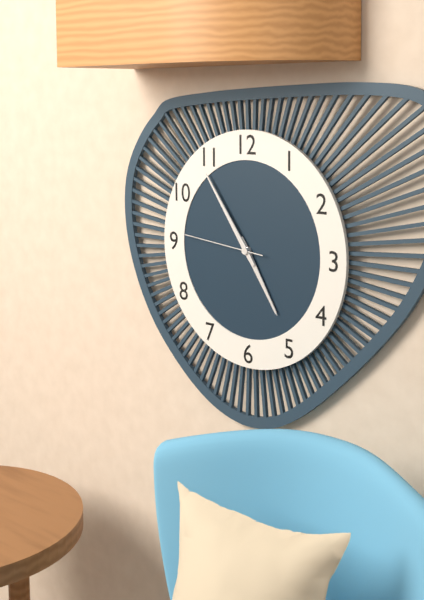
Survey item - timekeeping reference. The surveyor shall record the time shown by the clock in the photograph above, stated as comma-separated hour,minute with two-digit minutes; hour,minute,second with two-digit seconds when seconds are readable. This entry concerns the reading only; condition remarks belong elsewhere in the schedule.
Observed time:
4,54,46
